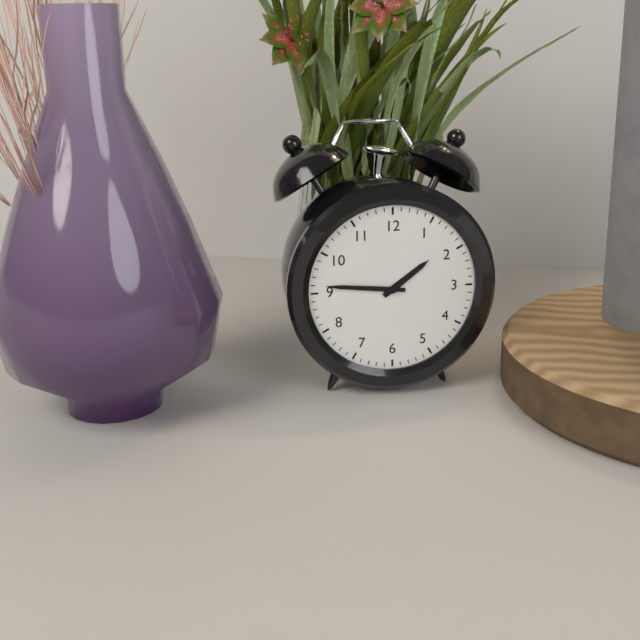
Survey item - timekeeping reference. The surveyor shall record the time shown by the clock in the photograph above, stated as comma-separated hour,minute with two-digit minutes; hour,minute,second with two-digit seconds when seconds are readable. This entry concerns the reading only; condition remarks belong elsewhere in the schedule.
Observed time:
1,46
